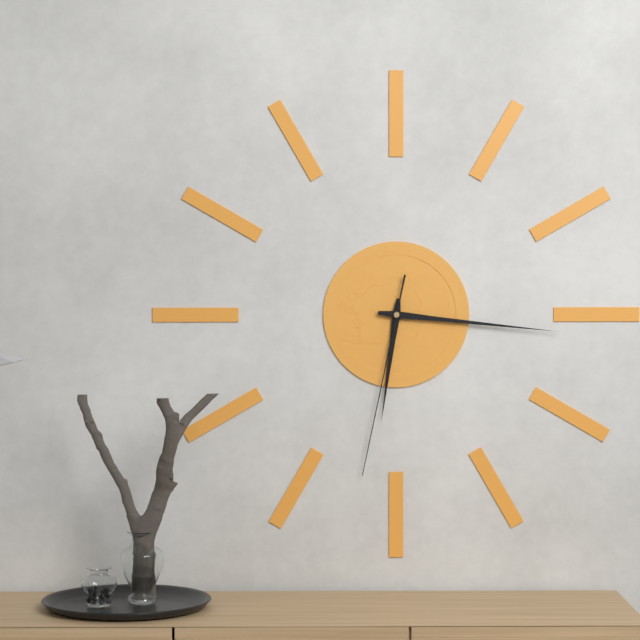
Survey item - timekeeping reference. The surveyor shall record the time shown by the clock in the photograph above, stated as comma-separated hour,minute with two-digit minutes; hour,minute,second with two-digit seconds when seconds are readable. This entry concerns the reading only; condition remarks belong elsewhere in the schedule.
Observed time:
6,16,32
